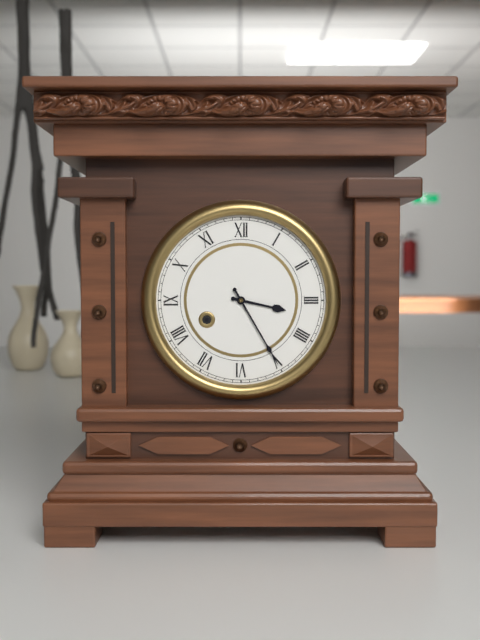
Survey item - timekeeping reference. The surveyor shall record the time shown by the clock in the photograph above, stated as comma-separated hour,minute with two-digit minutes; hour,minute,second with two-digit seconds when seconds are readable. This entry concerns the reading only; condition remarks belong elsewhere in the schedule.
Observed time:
3,25
